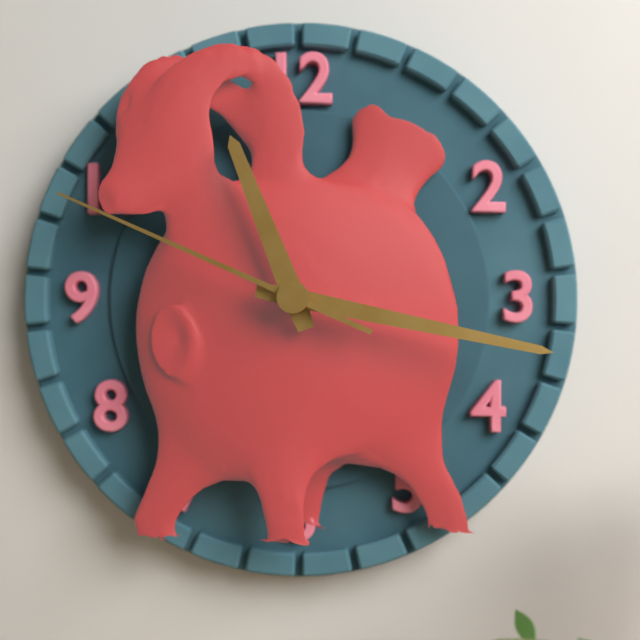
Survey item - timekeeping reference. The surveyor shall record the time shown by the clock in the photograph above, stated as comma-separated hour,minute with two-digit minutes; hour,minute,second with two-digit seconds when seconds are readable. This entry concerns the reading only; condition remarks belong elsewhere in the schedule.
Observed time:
11,17,49
